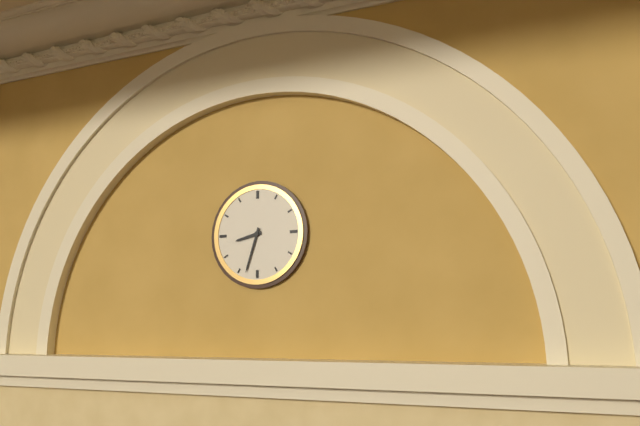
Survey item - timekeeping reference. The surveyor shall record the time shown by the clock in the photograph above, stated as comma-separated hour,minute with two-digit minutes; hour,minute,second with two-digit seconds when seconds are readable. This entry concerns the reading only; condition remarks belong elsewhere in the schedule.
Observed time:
8,33
